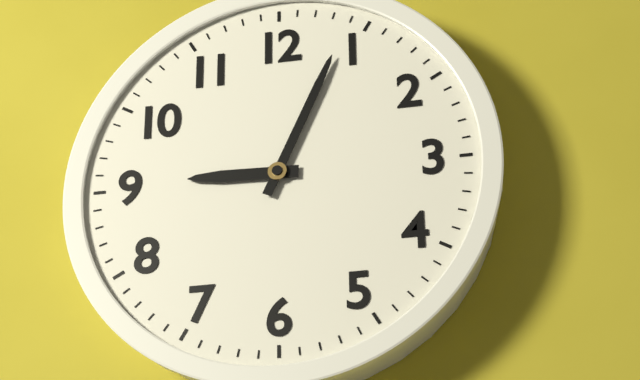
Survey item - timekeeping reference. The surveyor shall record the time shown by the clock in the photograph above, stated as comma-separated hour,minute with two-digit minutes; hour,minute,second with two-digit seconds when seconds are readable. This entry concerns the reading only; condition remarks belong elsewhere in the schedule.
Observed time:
9,04
